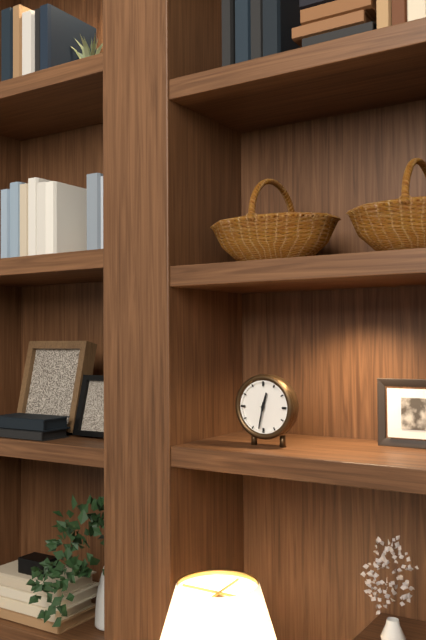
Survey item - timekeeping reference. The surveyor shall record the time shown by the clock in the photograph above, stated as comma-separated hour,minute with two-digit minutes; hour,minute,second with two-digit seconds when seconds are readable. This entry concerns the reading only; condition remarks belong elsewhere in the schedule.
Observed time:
12,32
